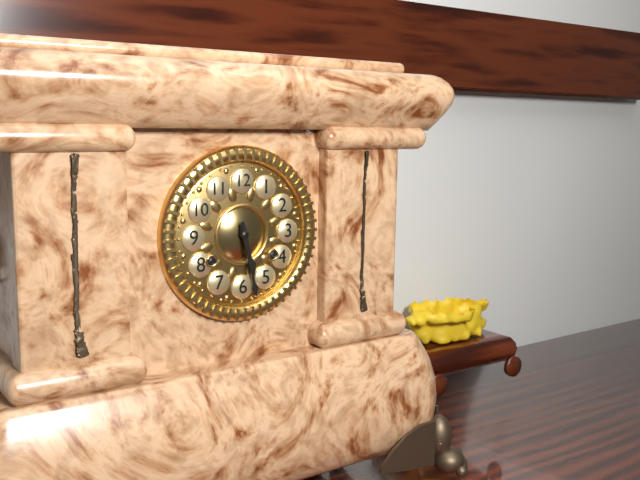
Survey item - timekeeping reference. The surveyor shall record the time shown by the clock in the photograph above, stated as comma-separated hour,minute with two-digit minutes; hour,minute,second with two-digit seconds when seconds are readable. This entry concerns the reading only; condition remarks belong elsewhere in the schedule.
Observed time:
5,28
